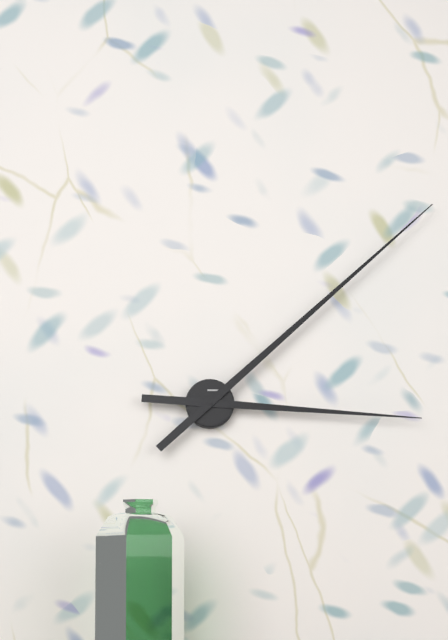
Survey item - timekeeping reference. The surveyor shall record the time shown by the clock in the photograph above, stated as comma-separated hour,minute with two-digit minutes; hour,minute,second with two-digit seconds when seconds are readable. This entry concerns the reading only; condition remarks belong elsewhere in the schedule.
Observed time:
3,08
